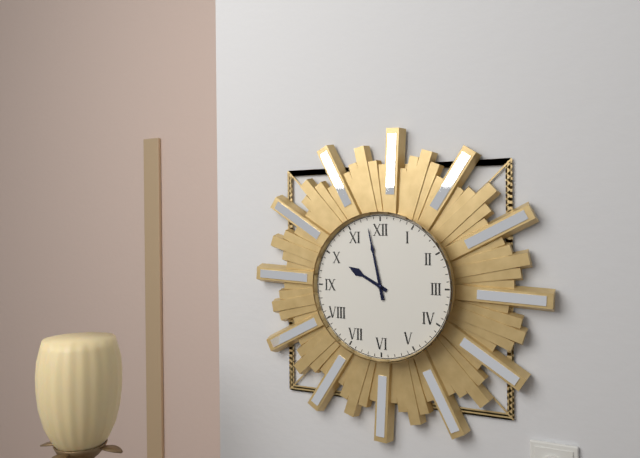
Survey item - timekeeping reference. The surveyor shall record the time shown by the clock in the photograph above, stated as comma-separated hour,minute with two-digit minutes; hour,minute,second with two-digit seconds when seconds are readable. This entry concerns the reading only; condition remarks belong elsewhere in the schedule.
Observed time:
9,58
